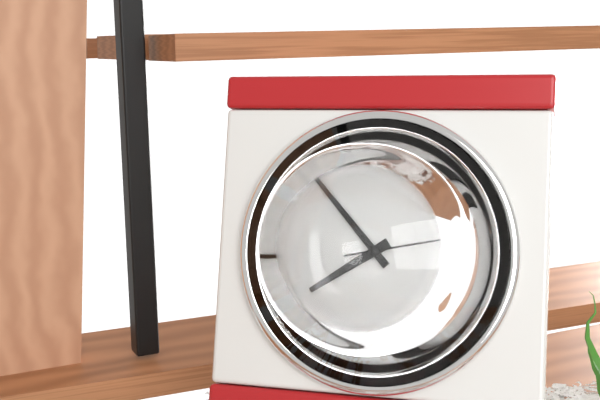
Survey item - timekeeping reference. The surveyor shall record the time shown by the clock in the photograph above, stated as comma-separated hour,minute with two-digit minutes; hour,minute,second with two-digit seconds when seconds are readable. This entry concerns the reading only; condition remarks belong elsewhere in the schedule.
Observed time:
7,53,13
